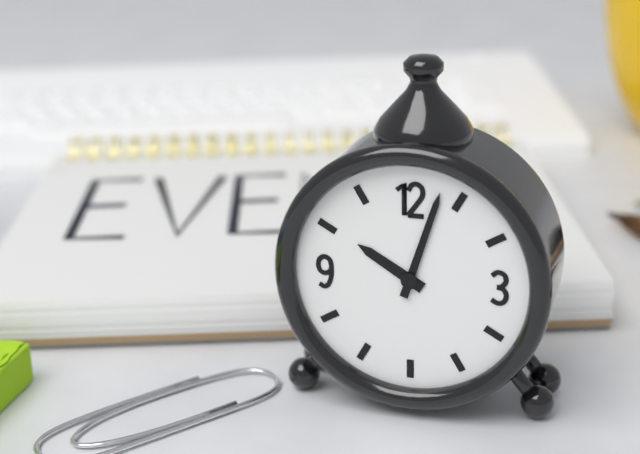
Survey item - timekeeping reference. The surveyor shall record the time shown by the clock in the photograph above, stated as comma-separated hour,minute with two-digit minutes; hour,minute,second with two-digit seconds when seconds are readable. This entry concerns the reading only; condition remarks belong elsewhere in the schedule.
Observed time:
10,03
